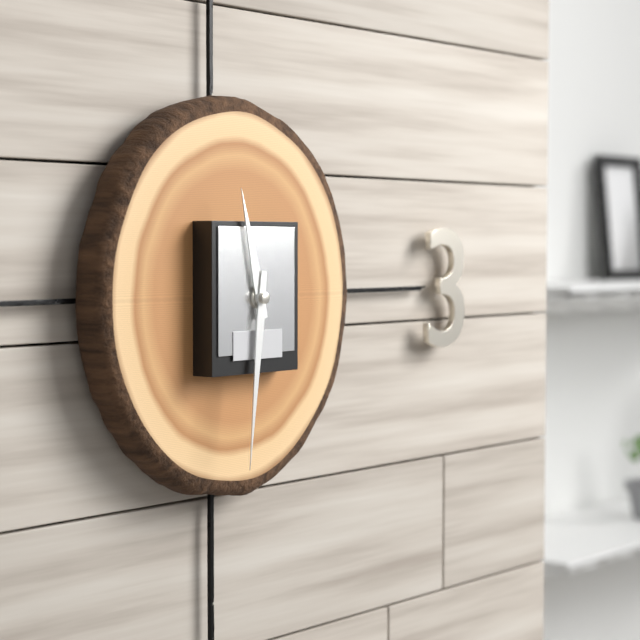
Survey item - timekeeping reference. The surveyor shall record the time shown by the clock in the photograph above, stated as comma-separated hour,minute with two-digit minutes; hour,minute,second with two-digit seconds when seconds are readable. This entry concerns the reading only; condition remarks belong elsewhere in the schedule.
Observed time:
11,31
